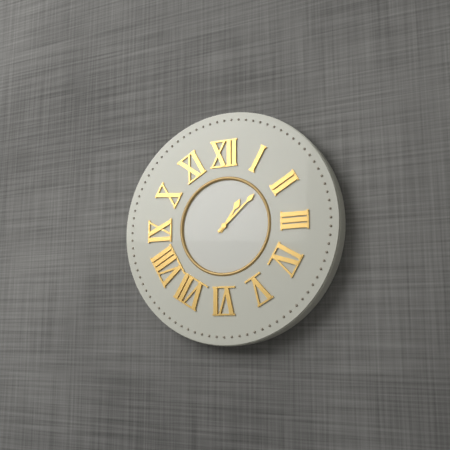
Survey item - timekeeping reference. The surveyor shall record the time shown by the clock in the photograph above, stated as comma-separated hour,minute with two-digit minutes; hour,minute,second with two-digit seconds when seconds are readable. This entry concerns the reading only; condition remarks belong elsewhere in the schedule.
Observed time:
1,08
